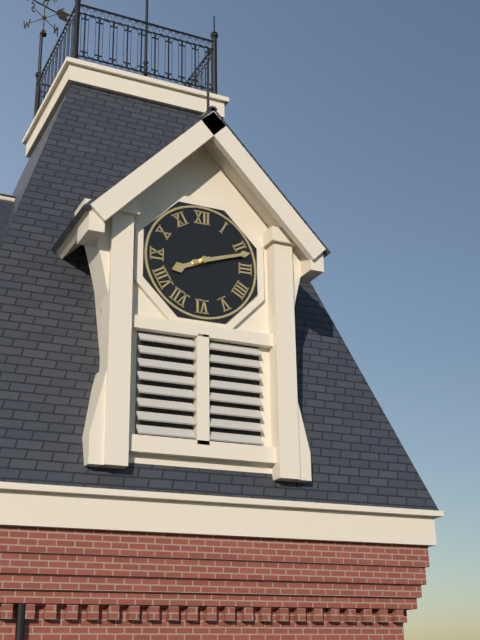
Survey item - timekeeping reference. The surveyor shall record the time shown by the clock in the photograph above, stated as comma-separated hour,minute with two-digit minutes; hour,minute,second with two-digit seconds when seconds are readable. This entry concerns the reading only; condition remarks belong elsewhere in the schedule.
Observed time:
8,12
